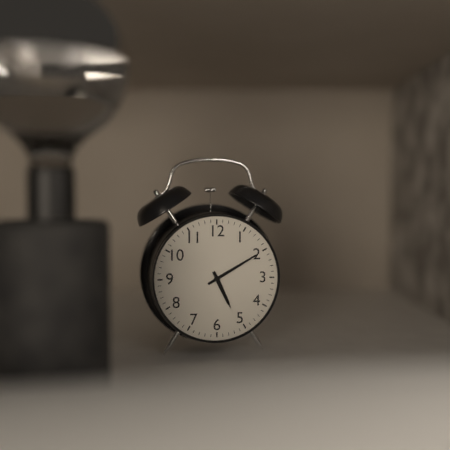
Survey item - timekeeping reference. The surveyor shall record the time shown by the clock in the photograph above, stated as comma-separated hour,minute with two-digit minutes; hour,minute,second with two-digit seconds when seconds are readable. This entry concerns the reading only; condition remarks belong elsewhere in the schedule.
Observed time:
5,10
